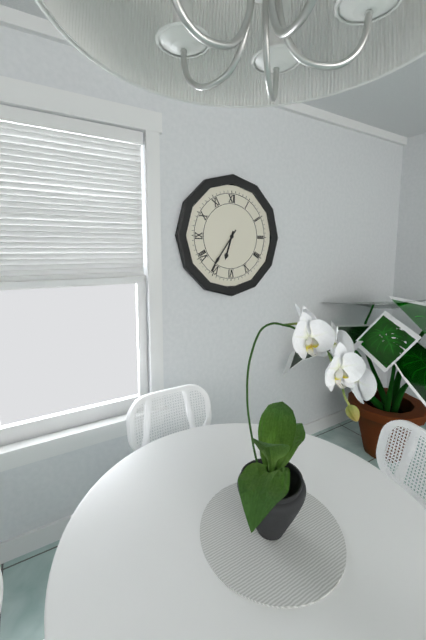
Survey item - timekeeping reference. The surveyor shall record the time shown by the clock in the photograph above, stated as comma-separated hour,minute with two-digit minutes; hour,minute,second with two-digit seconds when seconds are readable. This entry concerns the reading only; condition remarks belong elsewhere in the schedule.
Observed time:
6,36
